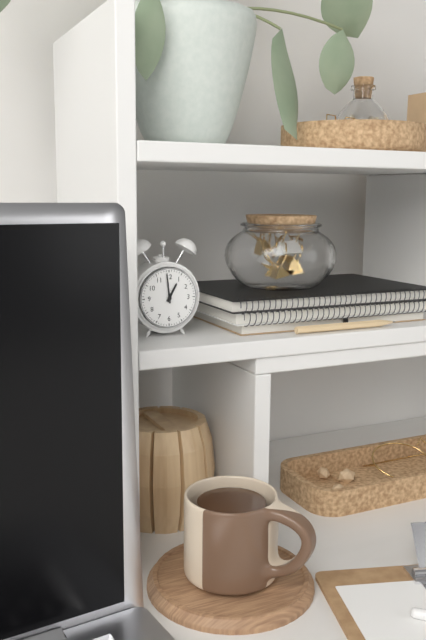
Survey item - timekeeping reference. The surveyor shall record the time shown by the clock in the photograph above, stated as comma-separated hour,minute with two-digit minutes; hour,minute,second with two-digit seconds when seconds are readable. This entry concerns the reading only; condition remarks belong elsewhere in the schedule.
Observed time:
12,59
